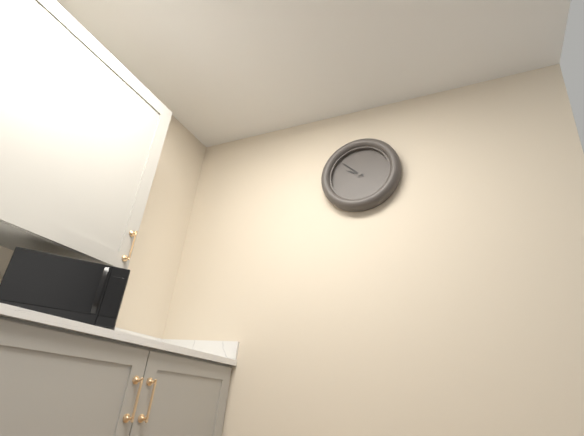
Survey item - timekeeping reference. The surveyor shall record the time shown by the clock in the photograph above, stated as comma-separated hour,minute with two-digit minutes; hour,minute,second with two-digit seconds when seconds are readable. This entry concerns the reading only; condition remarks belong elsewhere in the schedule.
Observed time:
9,52
